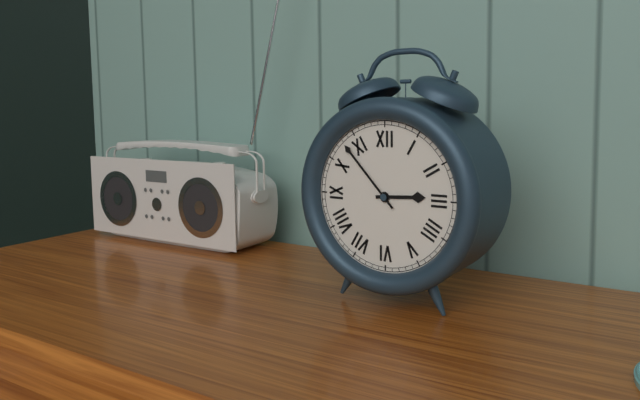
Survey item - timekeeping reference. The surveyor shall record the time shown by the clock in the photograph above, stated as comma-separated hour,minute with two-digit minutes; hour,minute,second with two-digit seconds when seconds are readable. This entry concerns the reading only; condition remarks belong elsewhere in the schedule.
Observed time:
2,53
